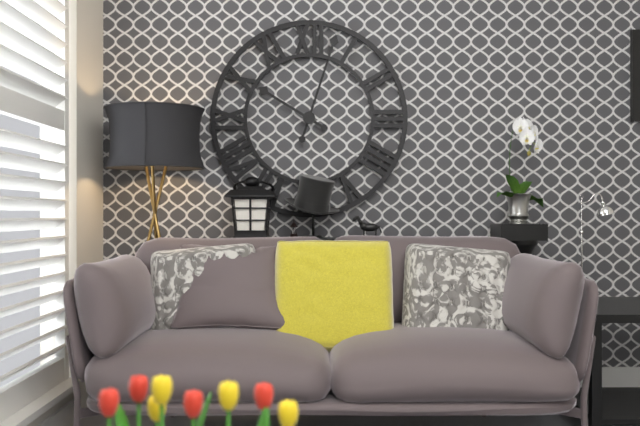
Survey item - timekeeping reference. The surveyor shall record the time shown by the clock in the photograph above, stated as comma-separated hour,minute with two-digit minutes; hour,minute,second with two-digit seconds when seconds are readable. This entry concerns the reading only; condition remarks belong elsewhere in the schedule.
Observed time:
10,03
